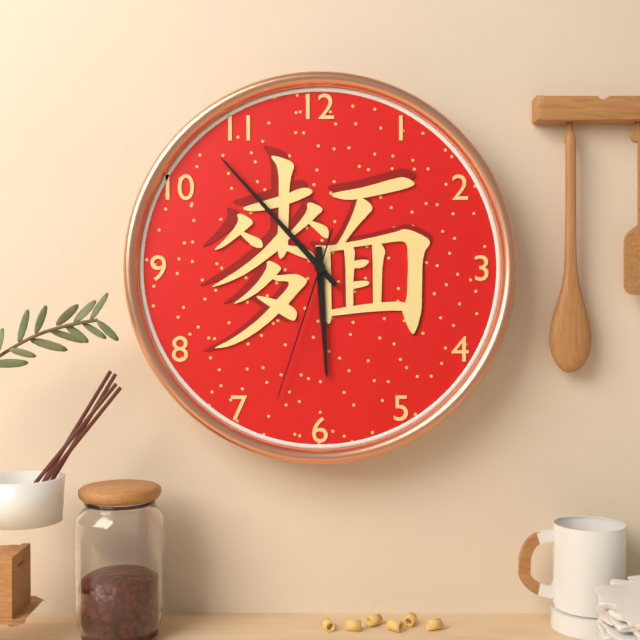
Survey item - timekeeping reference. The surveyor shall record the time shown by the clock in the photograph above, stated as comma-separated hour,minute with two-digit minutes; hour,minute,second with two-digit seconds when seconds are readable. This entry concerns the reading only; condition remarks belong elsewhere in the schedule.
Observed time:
5,53,33
